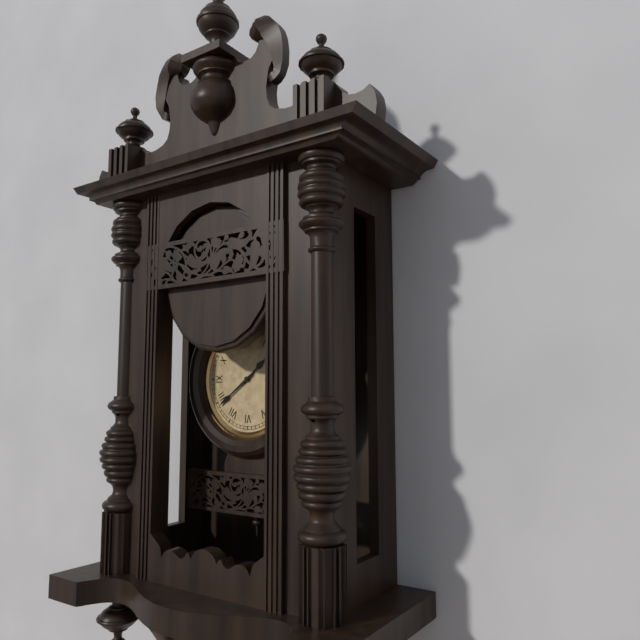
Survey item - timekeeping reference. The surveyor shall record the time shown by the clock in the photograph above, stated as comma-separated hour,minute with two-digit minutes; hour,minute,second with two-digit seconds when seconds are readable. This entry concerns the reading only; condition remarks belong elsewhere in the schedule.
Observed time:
1,39
